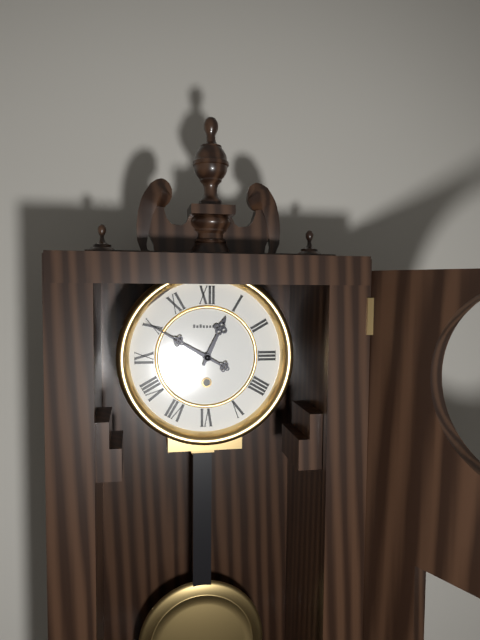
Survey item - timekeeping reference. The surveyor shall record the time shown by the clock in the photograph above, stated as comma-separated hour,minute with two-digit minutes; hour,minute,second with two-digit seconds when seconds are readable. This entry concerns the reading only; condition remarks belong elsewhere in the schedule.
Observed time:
12,50
